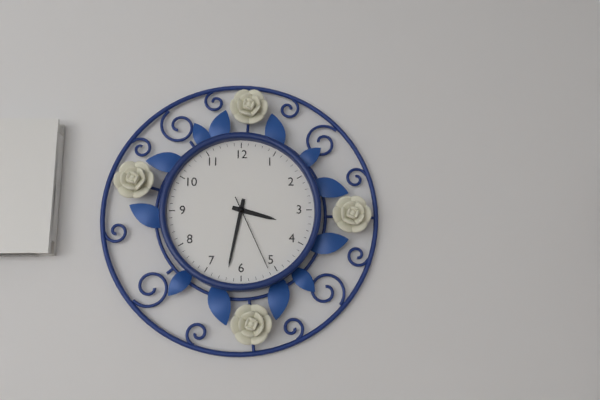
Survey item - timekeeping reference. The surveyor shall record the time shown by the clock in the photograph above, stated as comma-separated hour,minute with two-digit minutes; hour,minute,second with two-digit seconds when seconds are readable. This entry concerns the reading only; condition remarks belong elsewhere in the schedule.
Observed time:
3,32,26
